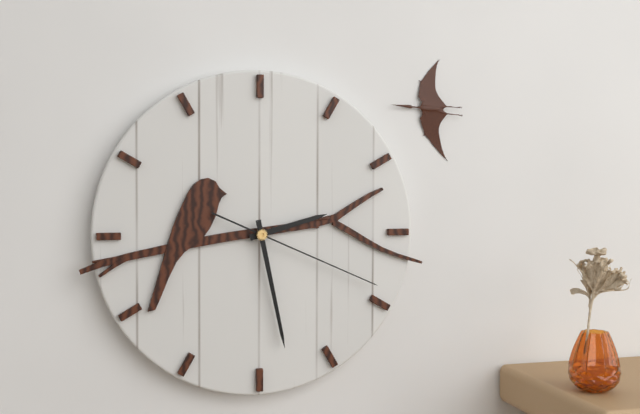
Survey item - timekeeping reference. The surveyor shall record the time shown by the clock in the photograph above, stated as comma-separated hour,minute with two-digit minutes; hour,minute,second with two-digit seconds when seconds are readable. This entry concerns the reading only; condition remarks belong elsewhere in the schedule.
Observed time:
2,28,19
